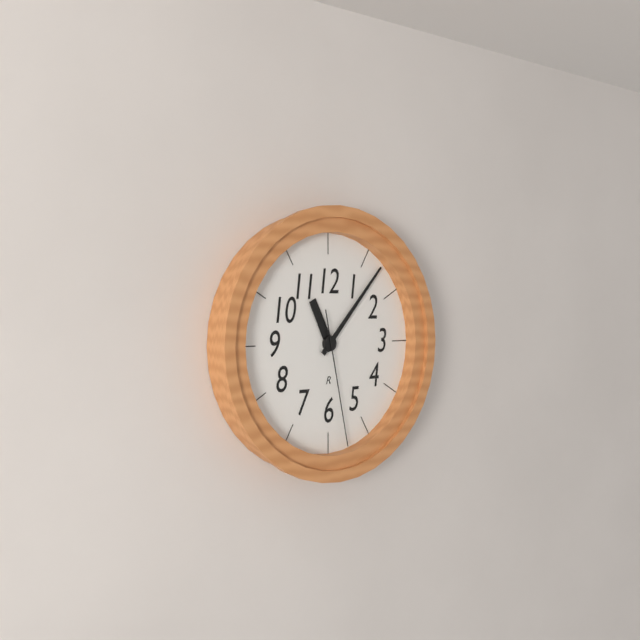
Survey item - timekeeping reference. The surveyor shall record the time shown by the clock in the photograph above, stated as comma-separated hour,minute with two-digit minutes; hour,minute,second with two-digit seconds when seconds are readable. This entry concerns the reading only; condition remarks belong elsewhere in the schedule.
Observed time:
11,07,28
